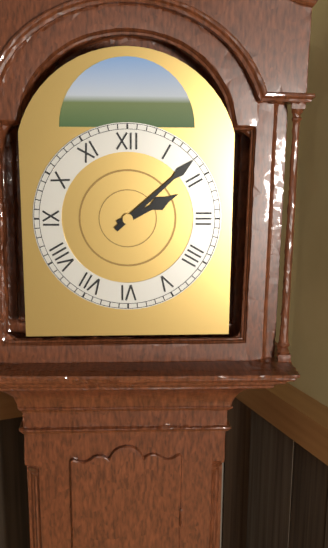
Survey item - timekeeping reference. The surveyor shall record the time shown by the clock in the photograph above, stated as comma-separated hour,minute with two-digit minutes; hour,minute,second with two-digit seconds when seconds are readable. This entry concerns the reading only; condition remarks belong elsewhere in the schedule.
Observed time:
2,08
